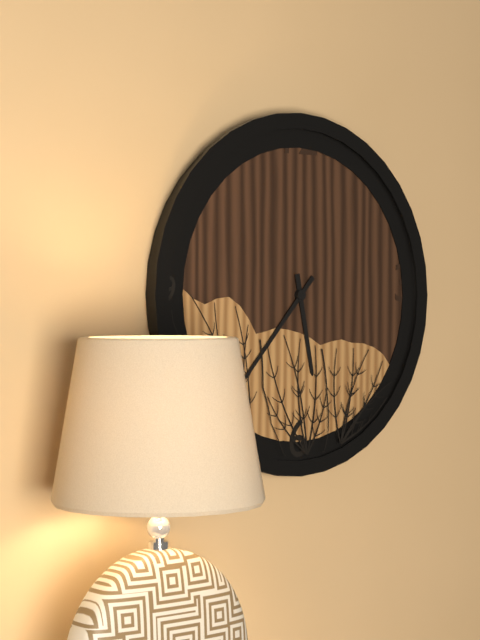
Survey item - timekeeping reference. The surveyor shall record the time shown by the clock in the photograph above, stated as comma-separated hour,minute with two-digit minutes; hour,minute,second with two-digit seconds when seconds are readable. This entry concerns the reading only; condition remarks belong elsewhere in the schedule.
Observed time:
5,37
